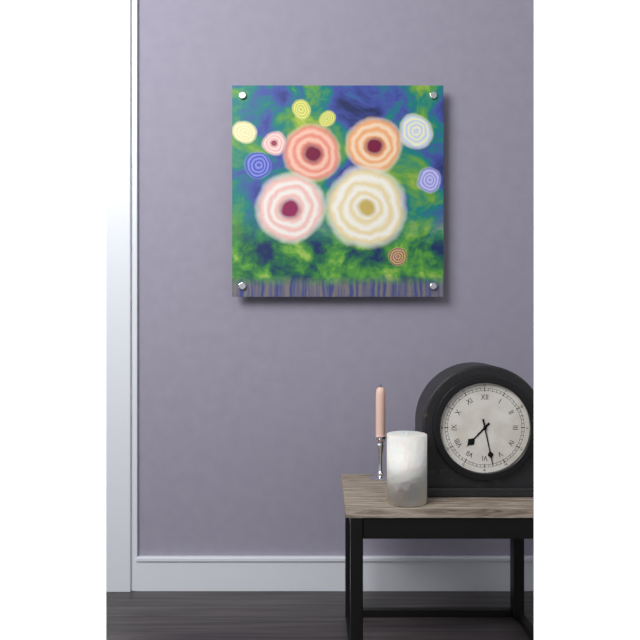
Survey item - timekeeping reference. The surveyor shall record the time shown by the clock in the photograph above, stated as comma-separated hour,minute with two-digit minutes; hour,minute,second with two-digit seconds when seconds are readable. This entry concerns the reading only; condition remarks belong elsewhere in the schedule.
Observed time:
7,28
